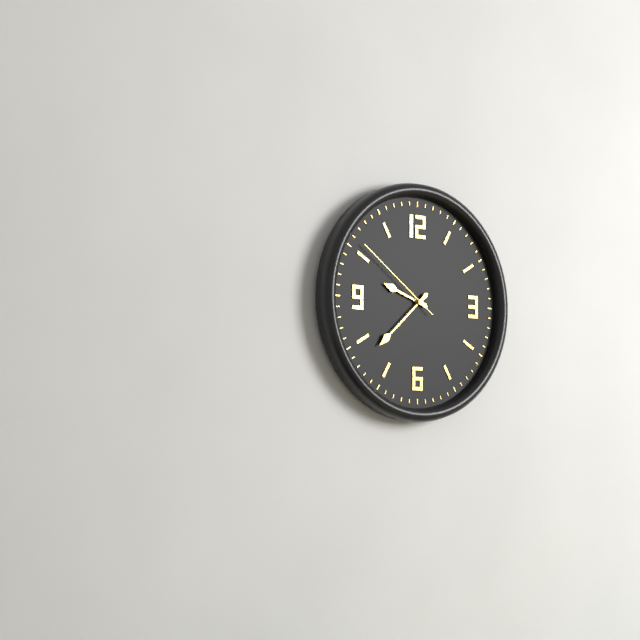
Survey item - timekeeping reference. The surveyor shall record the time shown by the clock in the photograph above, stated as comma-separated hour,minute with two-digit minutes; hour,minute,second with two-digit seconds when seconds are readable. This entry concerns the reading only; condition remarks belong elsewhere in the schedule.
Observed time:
9,38,51
